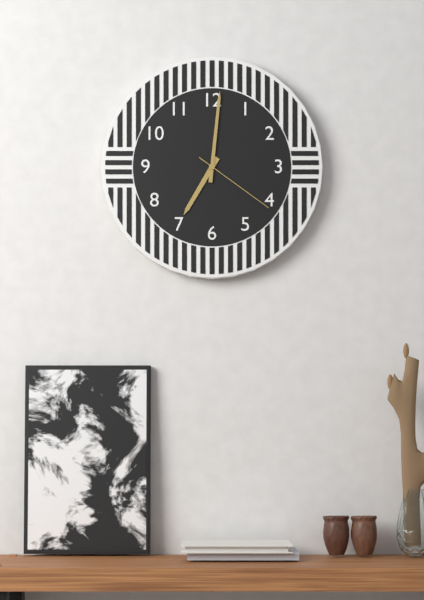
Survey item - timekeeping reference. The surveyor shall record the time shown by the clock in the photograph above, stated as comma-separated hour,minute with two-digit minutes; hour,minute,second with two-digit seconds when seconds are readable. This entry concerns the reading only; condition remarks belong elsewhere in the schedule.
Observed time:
7,01,21
